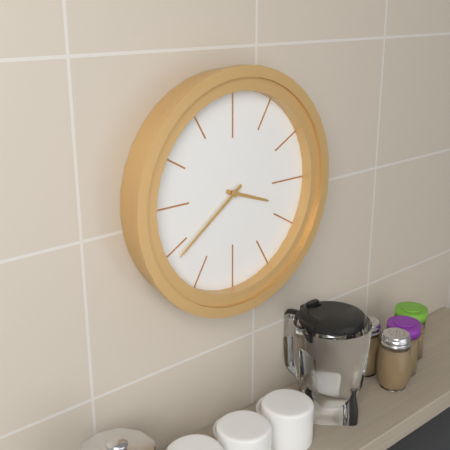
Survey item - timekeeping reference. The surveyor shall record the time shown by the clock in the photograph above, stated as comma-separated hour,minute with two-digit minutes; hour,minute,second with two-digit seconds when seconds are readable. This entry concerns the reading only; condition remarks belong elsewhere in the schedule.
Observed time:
3,39
